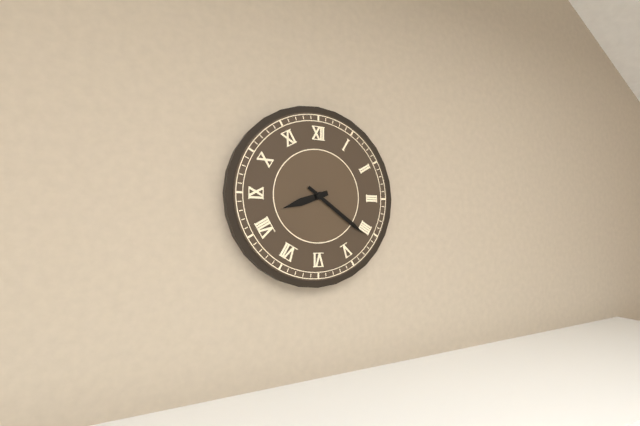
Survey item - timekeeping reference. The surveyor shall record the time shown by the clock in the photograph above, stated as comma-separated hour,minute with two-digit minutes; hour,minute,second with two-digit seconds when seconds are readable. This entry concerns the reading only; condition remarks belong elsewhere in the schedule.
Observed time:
8,21
